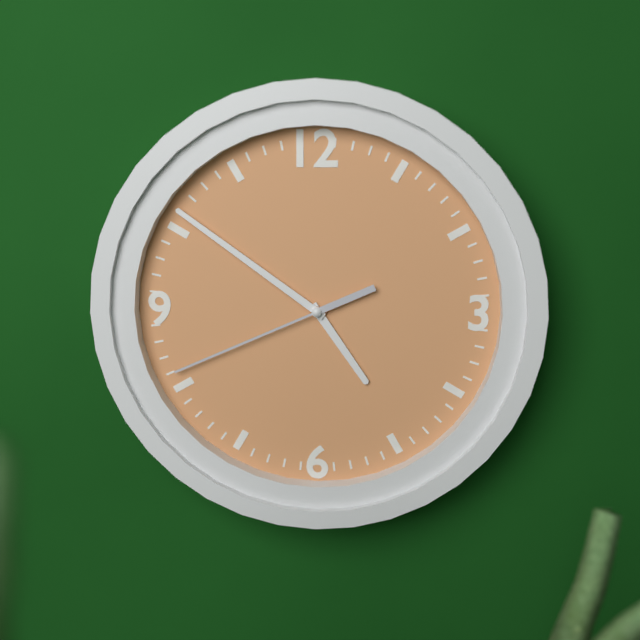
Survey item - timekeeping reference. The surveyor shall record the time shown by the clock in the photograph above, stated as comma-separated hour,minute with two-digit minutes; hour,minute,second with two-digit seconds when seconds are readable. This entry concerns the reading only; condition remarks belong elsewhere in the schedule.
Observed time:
4,51,41
